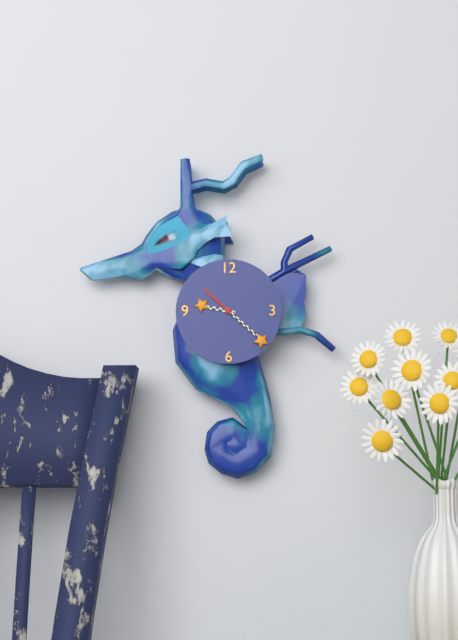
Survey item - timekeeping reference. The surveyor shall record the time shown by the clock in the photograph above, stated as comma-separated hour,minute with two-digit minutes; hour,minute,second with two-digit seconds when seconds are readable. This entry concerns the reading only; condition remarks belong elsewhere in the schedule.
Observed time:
9,22
